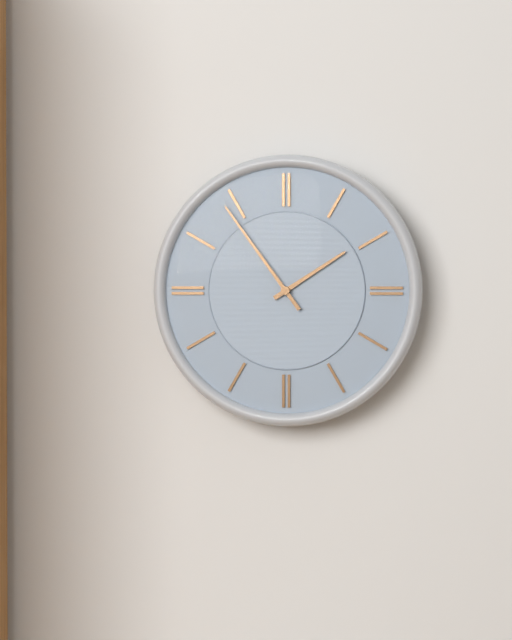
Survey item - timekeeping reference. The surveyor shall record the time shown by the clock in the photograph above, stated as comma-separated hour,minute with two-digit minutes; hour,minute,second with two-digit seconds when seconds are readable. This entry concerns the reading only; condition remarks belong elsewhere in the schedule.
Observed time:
1,54
